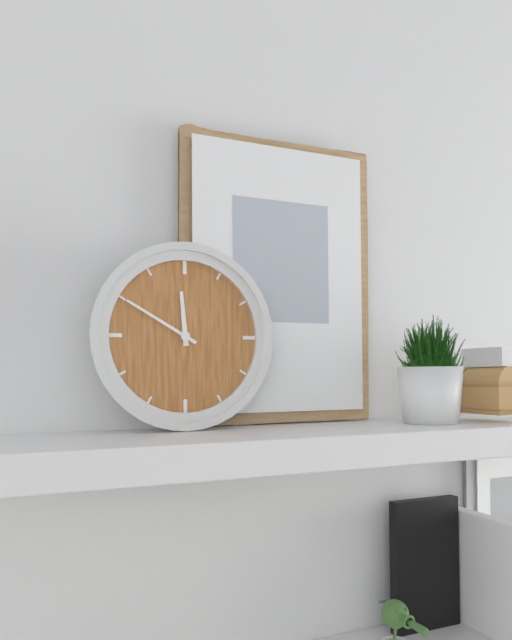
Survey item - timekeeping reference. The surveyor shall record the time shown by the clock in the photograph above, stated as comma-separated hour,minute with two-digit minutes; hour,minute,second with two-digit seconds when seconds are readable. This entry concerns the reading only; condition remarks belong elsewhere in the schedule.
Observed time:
11,50
